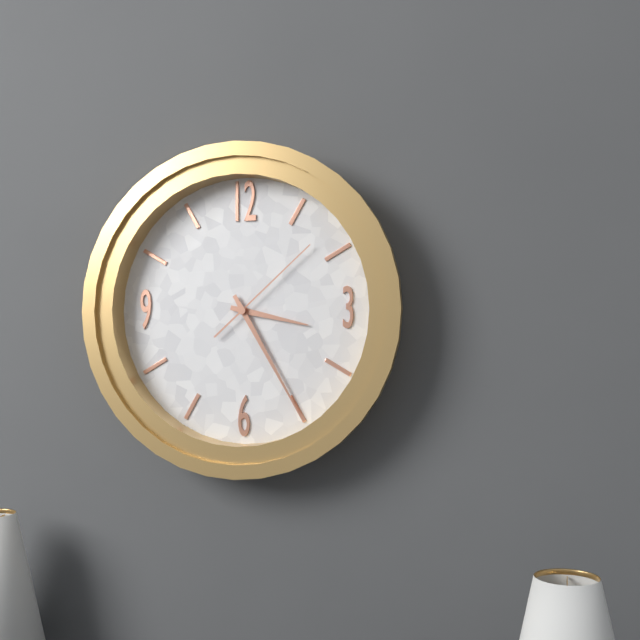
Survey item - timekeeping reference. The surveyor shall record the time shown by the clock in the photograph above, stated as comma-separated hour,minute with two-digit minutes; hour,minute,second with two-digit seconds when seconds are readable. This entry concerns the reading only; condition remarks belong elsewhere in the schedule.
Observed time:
3,25,08
